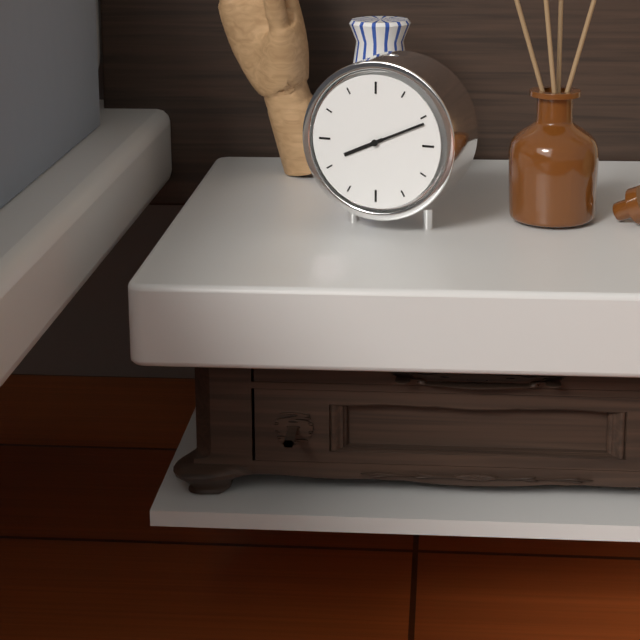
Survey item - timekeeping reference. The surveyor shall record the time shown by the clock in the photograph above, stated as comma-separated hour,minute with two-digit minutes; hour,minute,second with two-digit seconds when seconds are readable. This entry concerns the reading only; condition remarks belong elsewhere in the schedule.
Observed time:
8,11
